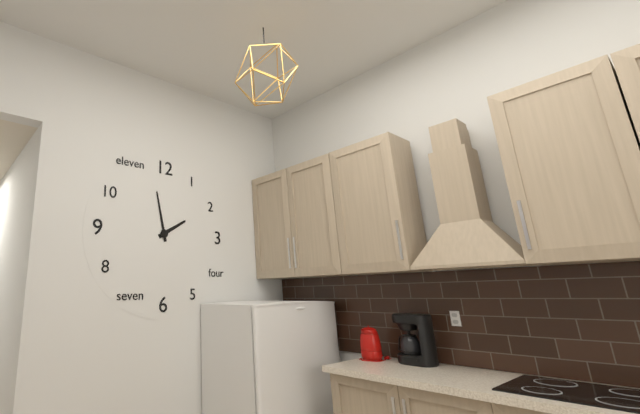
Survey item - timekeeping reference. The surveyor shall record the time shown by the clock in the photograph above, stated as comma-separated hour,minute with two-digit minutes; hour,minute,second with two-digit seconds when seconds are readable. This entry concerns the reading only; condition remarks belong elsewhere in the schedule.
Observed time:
1,58
